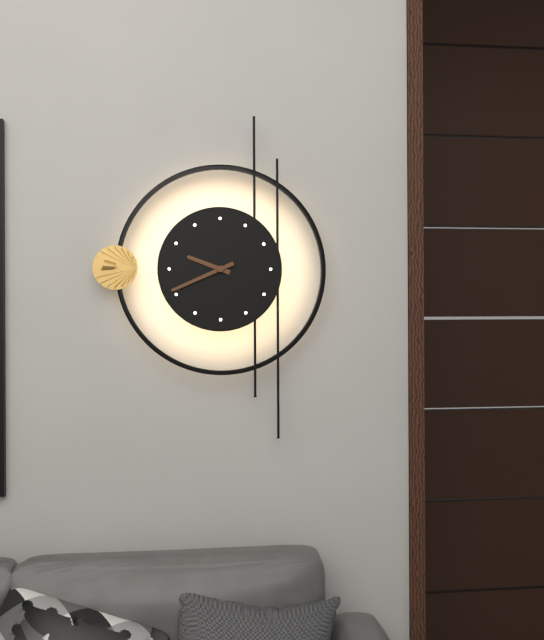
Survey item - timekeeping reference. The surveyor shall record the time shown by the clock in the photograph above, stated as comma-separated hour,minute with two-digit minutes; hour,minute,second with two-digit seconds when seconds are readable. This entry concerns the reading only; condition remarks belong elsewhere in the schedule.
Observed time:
9,41
